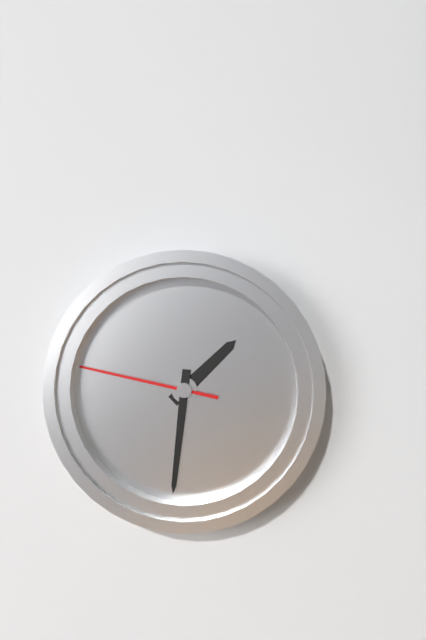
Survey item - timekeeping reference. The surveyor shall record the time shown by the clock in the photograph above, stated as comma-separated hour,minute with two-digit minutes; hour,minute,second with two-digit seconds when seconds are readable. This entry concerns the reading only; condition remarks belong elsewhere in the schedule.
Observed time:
1,31,47
